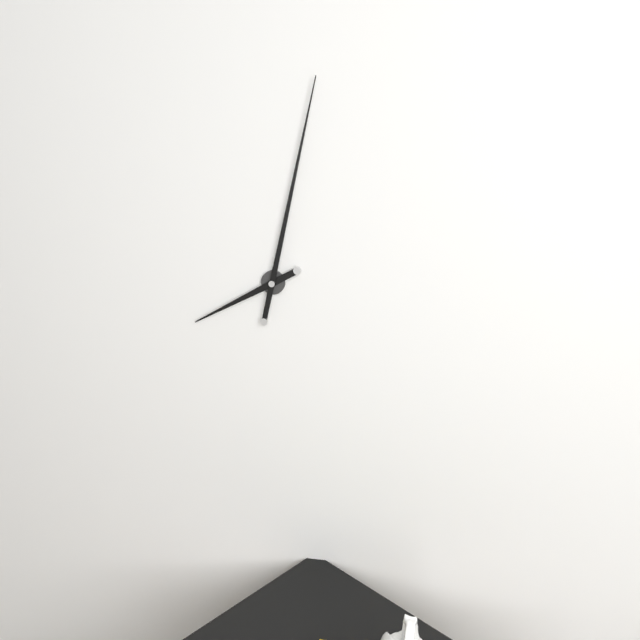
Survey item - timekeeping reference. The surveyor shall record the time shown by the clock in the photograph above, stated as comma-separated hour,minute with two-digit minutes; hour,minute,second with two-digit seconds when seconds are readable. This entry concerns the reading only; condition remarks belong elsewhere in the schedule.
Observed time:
8,02
